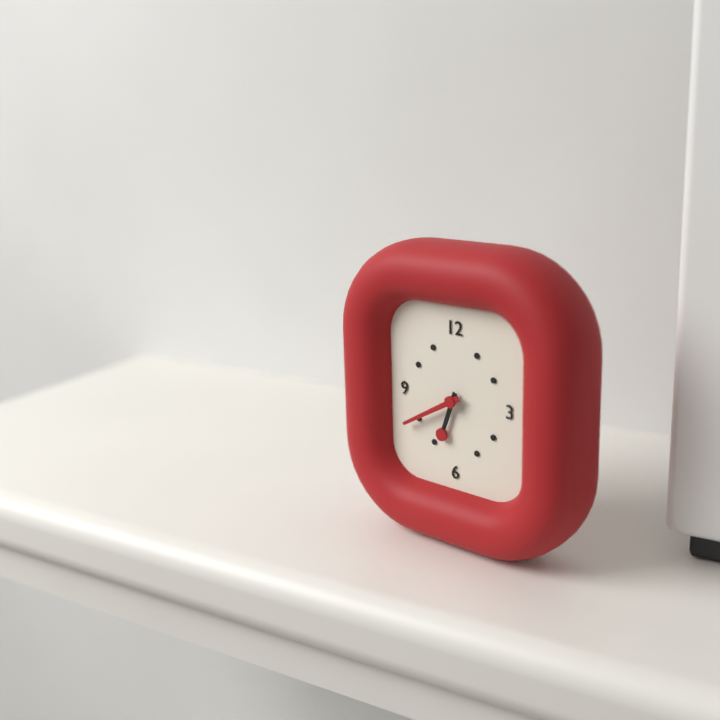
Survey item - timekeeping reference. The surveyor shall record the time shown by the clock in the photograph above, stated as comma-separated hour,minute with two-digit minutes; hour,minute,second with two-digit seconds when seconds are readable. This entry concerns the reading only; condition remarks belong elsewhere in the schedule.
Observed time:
6,40
